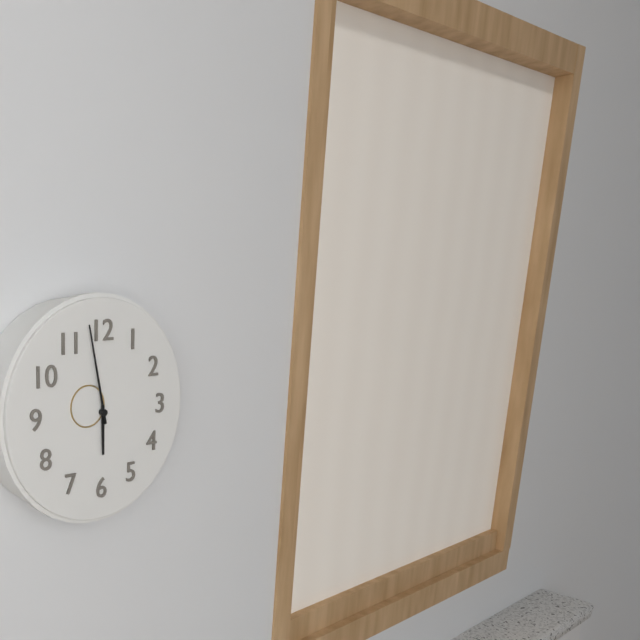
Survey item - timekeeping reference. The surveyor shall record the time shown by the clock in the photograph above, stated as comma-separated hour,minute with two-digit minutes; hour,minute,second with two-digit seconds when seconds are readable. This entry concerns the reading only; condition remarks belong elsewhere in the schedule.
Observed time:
5,58
